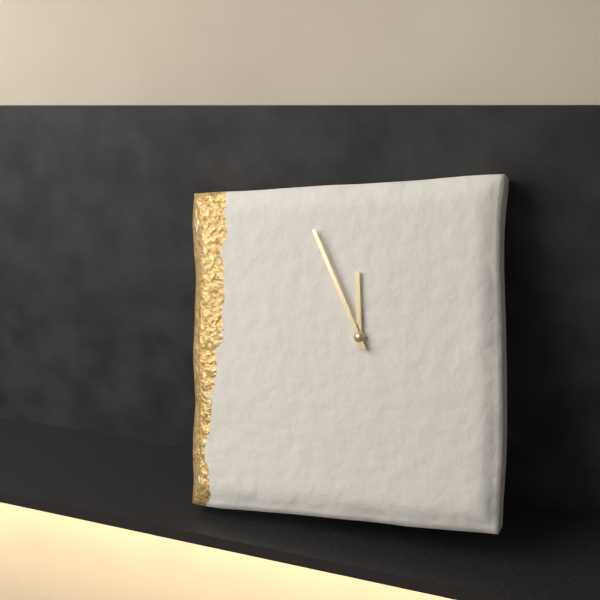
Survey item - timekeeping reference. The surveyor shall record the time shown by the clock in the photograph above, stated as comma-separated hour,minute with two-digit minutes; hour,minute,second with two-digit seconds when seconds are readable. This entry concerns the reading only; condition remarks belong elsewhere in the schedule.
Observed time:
11,56
